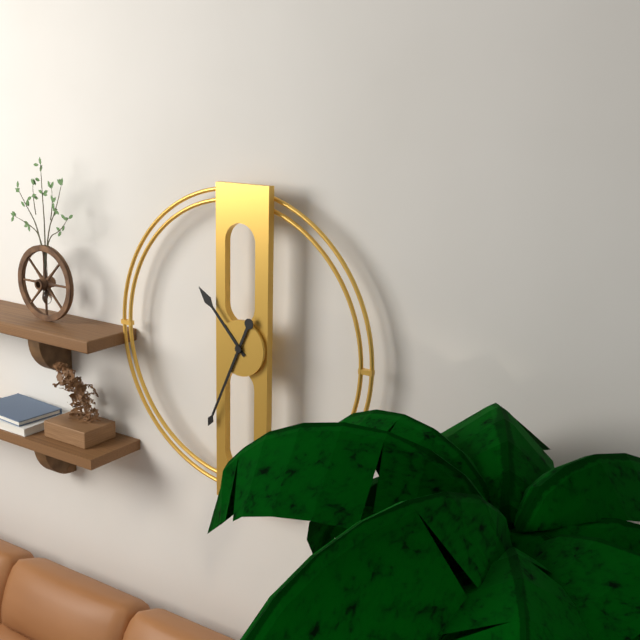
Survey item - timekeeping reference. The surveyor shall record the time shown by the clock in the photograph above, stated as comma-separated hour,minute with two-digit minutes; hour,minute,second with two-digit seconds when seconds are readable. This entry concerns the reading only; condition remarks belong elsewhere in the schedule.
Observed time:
10,34
